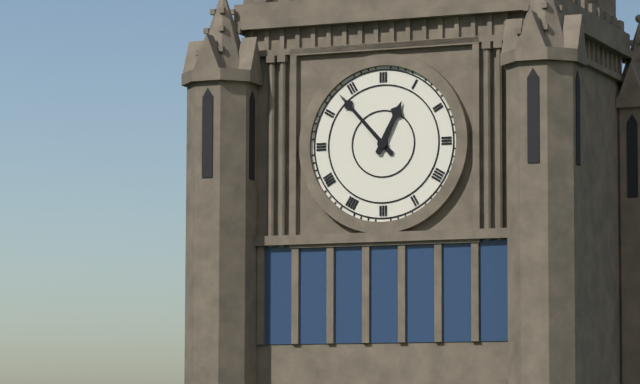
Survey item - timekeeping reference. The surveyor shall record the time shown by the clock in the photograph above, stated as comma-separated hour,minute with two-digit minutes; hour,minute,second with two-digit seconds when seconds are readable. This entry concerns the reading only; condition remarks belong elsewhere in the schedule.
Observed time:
12,53
